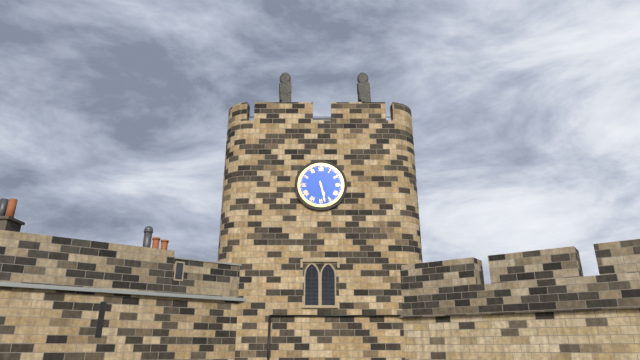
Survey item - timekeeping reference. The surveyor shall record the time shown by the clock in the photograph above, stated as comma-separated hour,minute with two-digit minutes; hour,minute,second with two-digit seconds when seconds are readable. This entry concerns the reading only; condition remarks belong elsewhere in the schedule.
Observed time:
5,28
